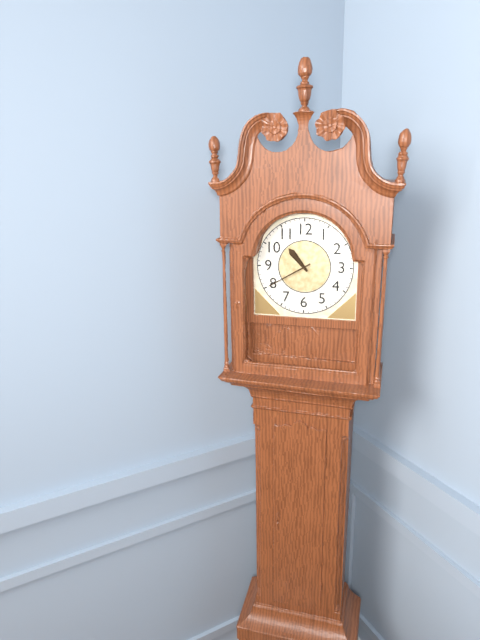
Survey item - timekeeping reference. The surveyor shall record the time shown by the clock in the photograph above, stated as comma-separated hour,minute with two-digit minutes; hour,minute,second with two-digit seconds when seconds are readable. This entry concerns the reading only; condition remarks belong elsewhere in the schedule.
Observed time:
10,40
